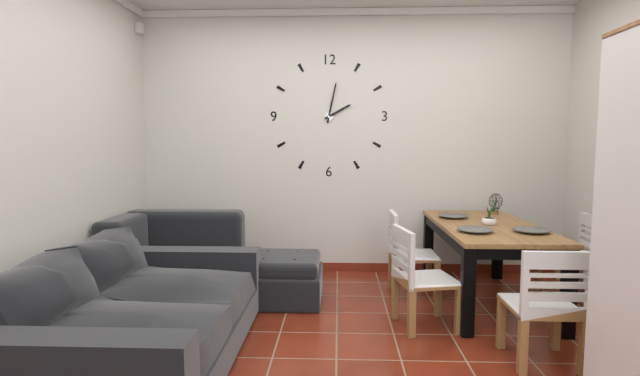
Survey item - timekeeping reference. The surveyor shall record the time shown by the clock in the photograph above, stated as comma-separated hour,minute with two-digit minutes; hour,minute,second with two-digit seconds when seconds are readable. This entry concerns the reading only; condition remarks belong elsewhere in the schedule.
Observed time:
2,02
